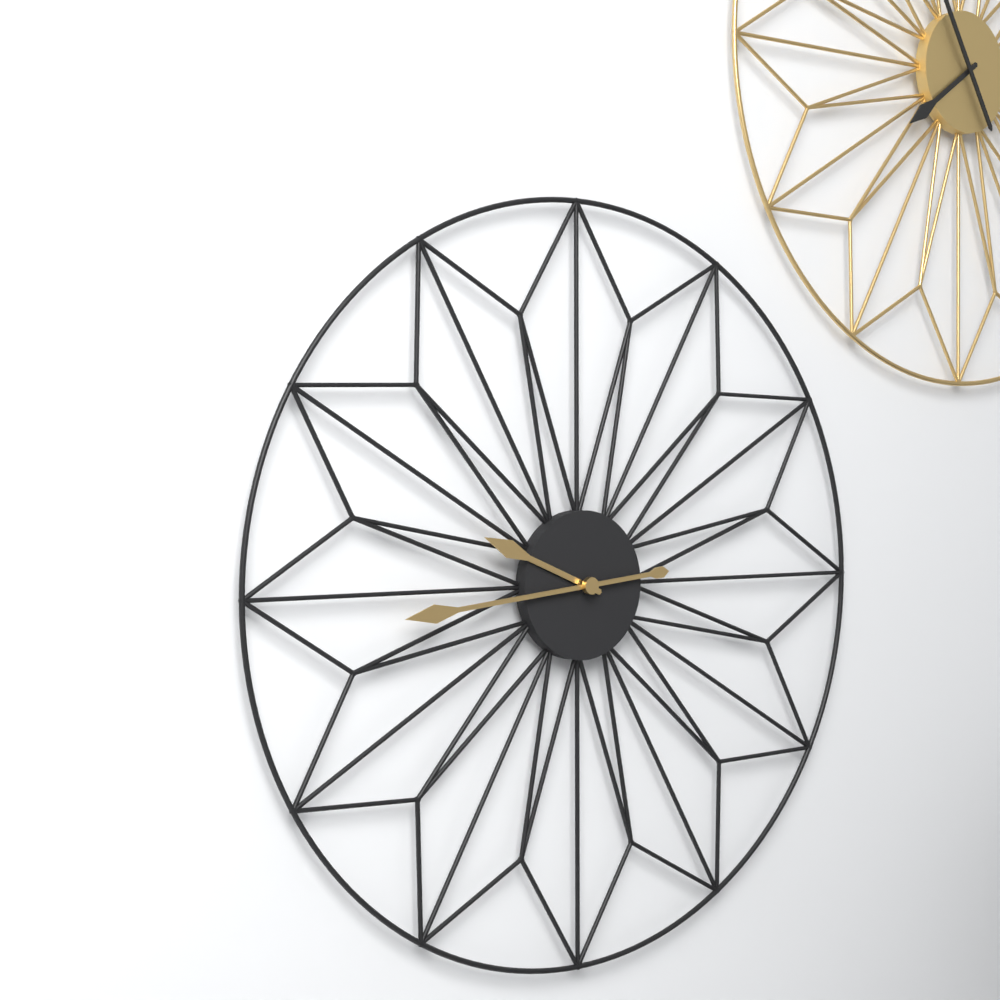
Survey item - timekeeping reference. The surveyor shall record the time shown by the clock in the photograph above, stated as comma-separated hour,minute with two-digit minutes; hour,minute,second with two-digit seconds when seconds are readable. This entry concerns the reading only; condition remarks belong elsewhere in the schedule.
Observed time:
9,44
